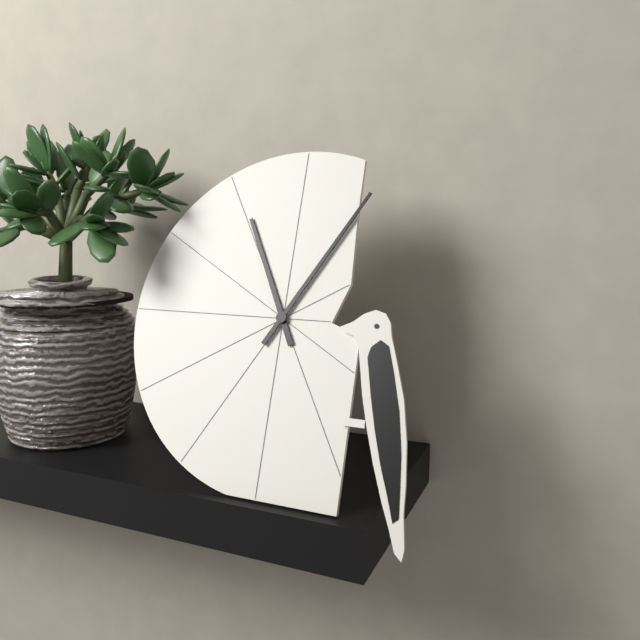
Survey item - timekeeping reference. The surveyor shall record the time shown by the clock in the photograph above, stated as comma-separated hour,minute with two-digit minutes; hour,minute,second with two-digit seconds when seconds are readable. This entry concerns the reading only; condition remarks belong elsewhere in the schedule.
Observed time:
11,05
